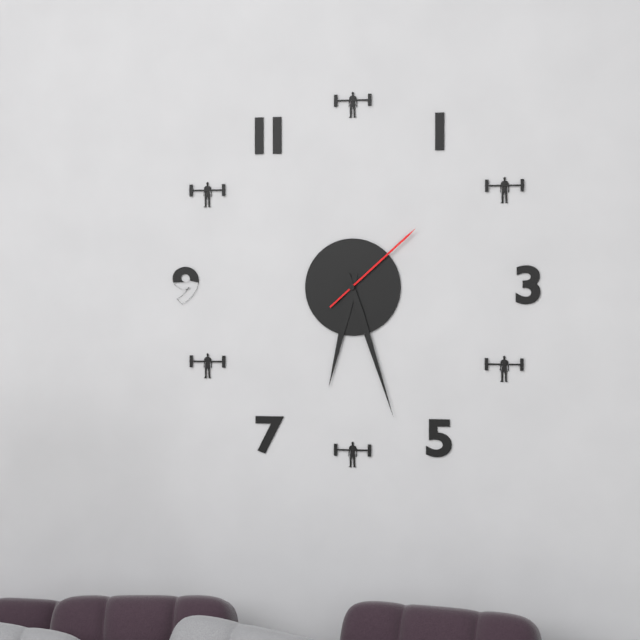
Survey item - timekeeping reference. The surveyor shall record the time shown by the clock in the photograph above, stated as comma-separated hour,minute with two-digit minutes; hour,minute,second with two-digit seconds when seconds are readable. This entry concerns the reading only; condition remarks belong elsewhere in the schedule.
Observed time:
6,27,08
